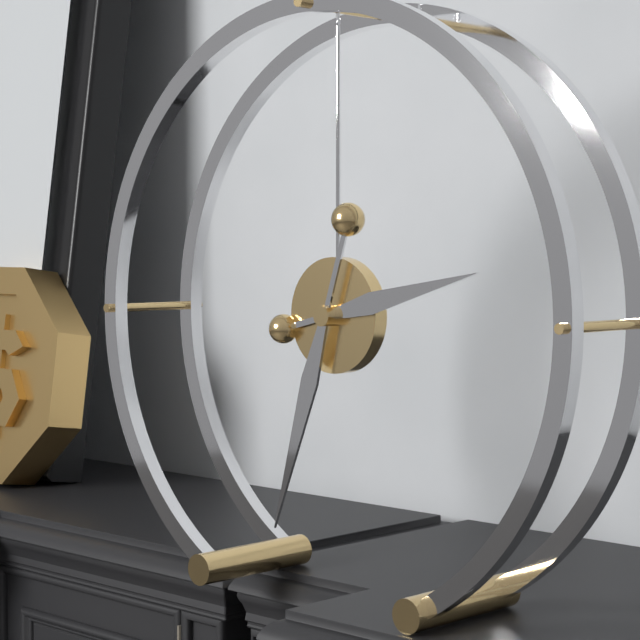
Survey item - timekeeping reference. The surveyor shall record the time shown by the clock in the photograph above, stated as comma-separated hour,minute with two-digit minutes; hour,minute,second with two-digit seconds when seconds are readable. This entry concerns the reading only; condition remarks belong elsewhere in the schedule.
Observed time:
2,33
